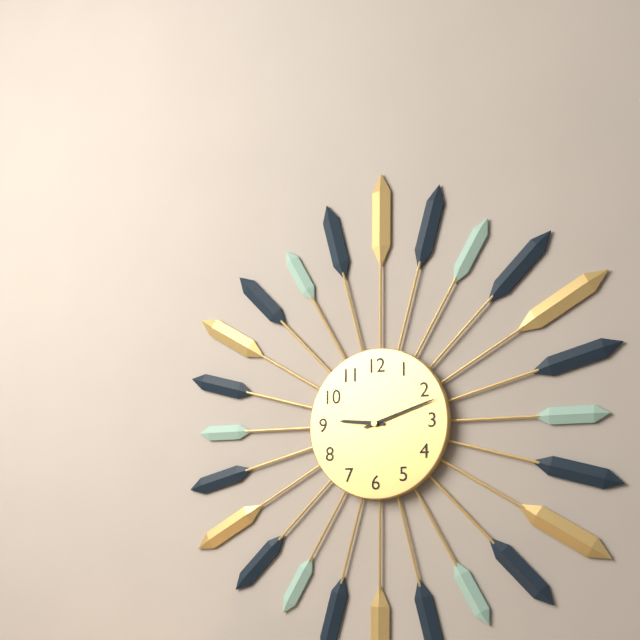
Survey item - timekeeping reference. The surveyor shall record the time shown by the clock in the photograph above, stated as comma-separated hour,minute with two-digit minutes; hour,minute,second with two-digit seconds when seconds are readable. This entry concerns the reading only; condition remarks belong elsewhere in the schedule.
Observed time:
9,12
